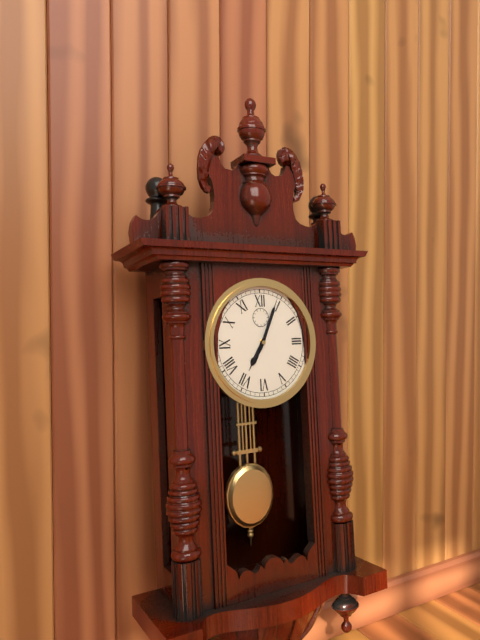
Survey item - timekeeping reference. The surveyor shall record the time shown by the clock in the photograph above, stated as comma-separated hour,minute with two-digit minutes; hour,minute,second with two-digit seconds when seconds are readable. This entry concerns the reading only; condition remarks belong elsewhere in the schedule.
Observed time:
7,04
